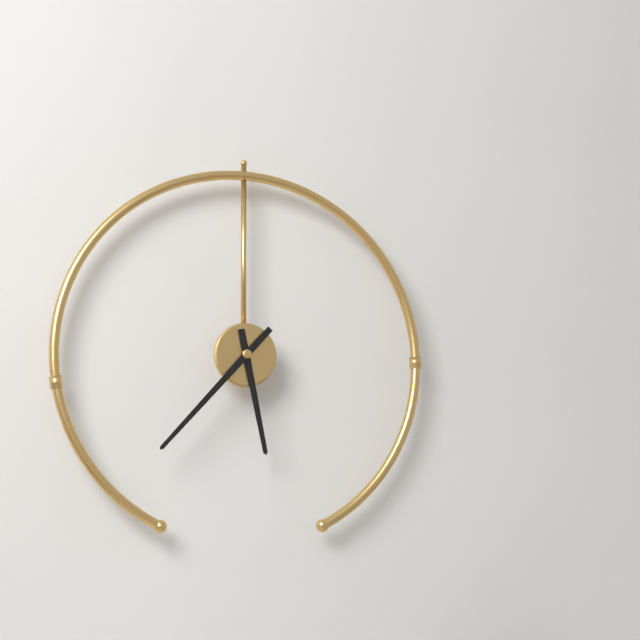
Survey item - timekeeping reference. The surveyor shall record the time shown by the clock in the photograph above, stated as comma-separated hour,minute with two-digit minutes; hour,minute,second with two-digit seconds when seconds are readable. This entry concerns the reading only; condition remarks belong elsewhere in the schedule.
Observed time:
5,37
